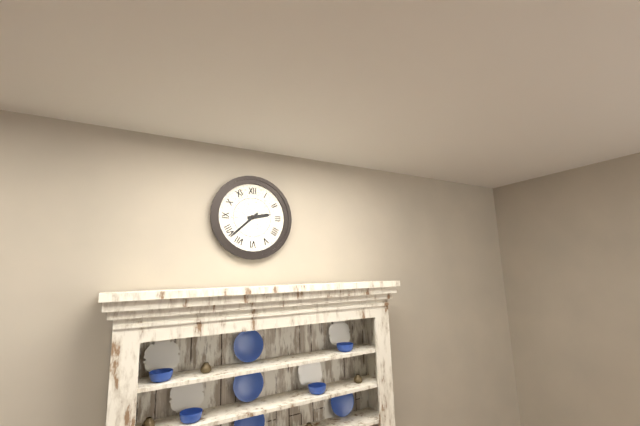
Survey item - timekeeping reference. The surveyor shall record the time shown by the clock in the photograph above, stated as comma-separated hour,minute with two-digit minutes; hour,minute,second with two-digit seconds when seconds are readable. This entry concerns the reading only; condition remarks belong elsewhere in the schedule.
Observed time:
2,38
